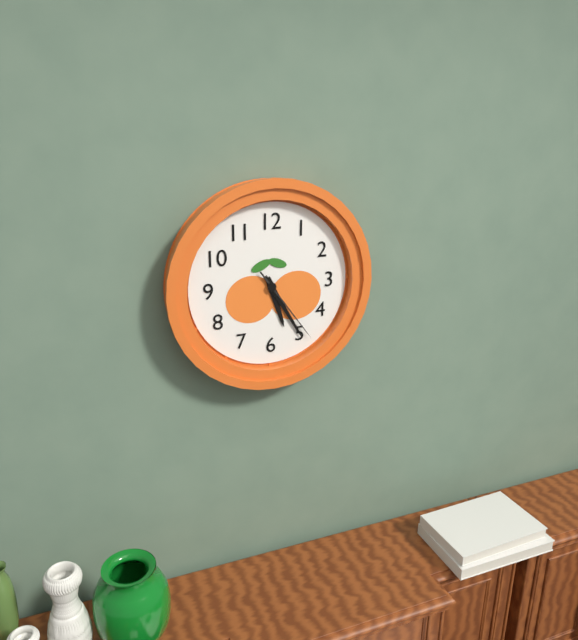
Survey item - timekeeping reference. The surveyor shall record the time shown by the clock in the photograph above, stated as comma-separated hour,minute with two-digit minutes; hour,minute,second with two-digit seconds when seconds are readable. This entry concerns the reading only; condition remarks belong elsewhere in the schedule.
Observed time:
5,25,24
